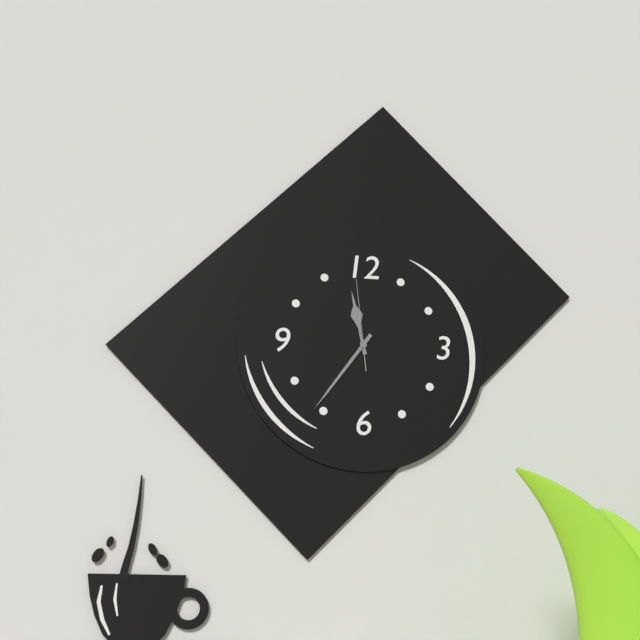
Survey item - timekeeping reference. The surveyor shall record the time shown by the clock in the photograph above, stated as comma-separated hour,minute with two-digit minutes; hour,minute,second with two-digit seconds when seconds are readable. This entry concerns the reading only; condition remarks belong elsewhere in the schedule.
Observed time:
11,36,59
